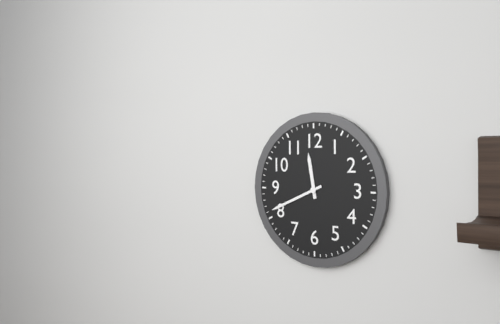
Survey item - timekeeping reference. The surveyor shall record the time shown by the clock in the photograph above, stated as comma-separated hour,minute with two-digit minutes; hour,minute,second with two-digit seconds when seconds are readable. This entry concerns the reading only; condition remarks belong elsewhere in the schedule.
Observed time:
11,41
